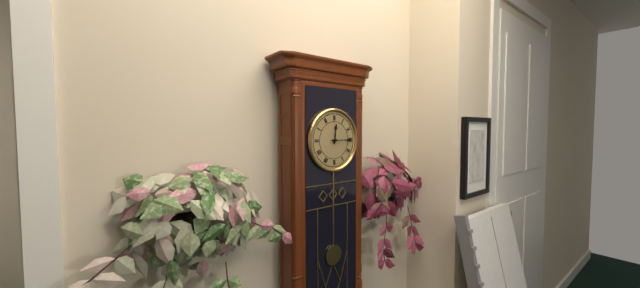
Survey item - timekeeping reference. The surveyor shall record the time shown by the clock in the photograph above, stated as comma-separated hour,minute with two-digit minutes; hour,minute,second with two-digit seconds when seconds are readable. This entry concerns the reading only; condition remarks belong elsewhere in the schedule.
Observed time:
12,15
